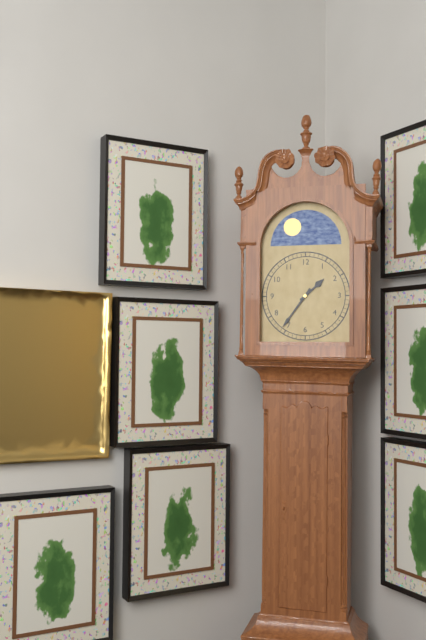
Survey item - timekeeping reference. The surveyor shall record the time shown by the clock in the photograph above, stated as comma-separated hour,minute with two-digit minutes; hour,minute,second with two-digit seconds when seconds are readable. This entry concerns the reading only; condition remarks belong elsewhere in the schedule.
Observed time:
1,36
